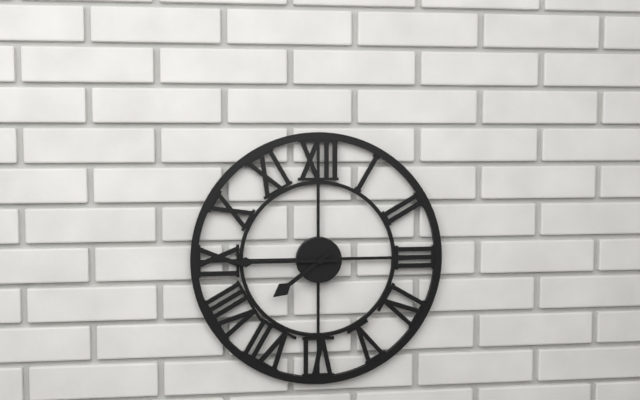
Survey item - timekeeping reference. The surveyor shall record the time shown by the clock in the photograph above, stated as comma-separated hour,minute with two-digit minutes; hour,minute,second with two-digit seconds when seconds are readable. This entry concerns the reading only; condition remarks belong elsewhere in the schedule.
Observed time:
7,45
